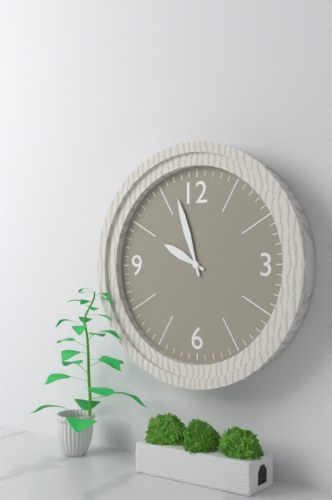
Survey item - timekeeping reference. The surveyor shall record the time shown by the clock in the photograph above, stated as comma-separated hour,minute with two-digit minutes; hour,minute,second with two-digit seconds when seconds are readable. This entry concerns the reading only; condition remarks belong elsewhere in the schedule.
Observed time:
9,57
